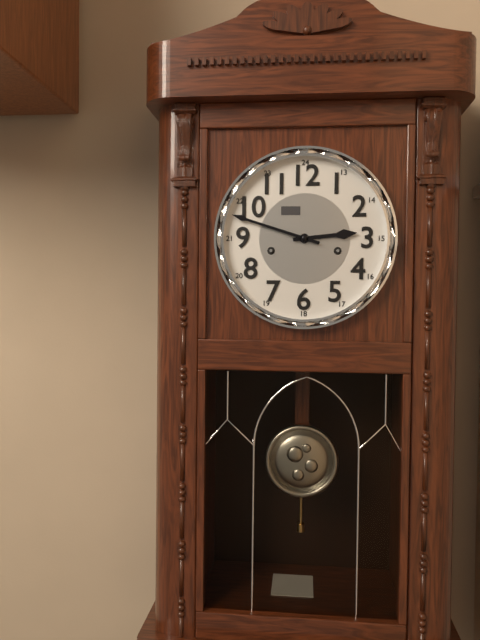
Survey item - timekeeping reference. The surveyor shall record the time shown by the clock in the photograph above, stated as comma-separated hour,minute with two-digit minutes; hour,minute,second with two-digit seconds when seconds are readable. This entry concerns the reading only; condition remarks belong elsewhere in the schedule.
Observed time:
2,48
